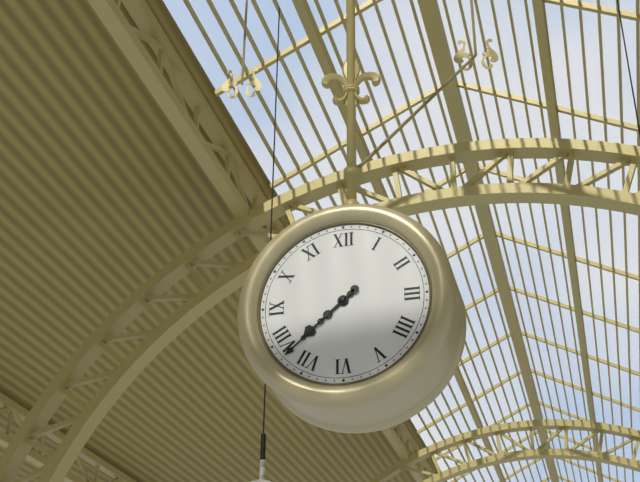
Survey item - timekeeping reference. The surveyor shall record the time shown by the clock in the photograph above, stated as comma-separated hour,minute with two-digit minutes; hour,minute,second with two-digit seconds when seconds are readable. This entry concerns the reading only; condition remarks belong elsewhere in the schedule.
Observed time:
7,38
